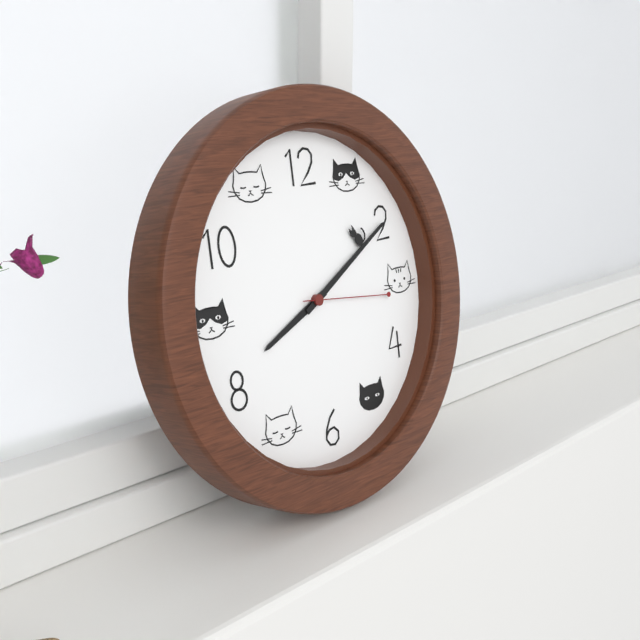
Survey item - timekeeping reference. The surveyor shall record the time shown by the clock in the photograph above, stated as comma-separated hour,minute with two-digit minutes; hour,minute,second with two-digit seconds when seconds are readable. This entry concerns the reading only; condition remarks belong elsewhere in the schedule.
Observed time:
8,10,16
